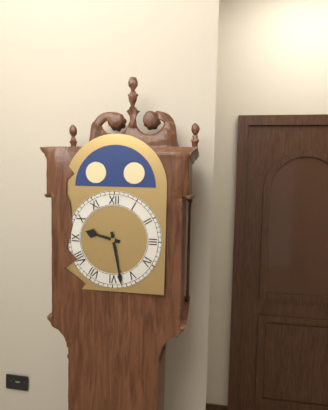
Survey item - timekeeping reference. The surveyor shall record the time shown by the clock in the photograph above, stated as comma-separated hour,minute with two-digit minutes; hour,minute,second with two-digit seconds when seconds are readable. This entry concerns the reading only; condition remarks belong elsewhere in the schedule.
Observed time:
9,28
